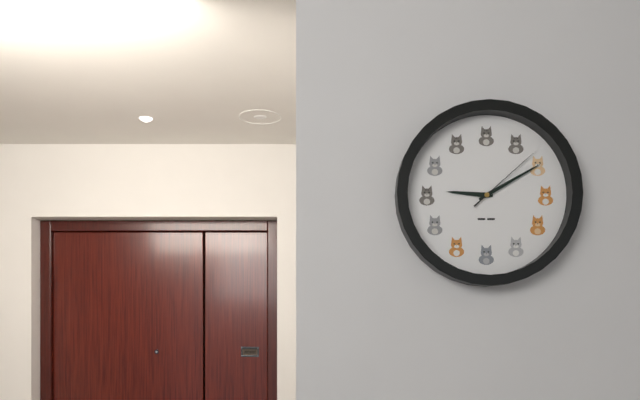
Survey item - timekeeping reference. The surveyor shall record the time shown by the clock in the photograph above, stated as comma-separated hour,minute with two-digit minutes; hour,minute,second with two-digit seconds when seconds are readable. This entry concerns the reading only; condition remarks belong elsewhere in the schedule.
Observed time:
9,10,08
